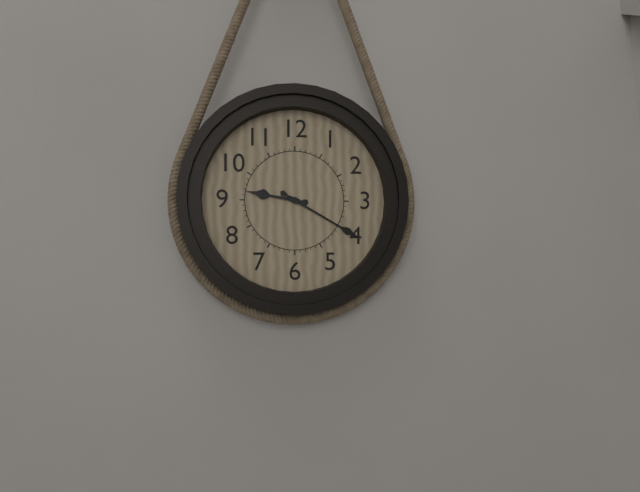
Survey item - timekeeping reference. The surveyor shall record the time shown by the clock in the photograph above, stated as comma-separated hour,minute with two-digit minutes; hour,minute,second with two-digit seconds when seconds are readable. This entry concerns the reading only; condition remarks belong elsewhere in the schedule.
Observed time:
9,20
